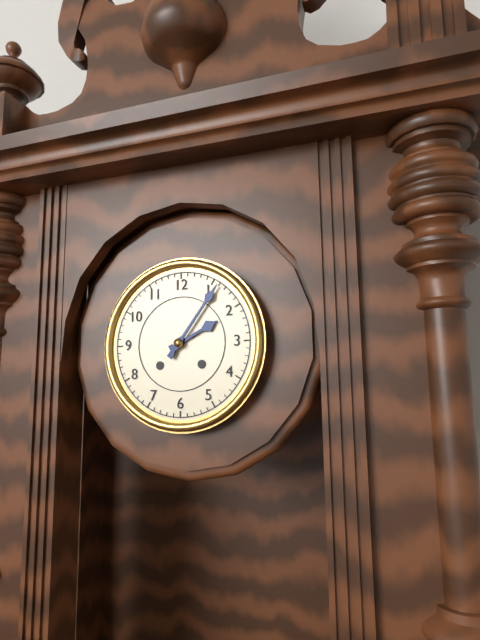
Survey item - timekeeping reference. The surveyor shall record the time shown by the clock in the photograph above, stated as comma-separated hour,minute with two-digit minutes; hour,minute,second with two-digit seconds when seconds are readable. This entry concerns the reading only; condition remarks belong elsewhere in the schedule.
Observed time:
2,06
